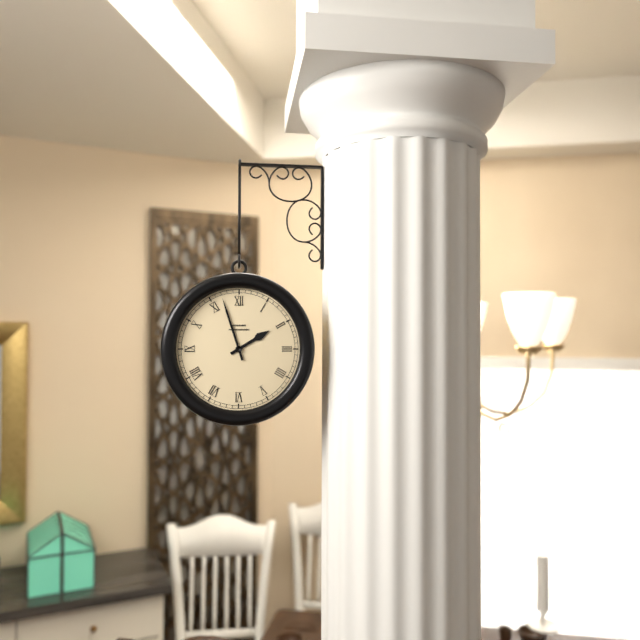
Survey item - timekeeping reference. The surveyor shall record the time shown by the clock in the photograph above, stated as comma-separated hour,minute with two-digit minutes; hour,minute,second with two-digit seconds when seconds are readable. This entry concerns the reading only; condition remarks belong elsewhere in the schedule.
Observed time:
1,57
